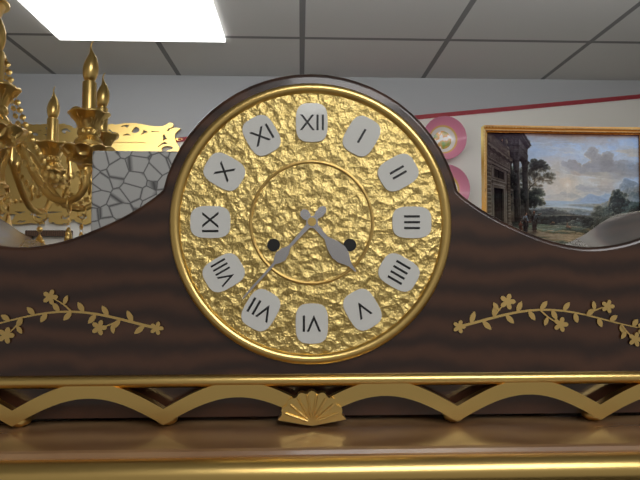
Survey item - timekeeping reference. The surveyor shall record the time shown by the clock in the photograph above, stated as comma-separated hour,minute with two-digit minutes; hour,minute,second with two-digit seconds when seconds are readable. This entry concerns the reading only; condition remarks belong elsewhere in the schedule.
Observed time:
4,37
